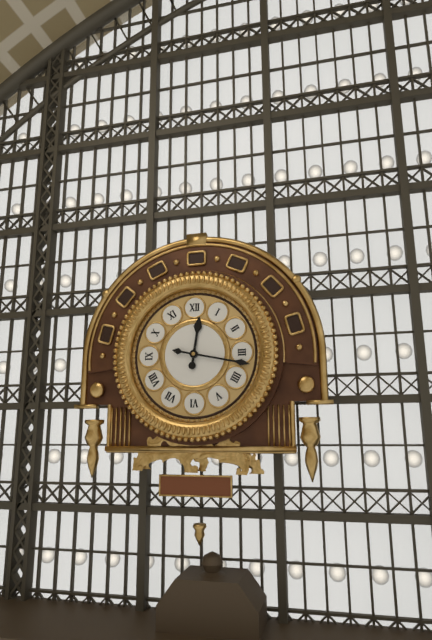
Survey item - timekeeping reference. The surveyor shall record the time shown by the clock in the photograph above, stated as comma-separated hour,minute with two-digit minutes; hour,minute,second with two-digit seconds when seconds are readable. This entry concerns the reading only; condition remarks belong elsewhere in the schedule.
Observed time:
12,17
